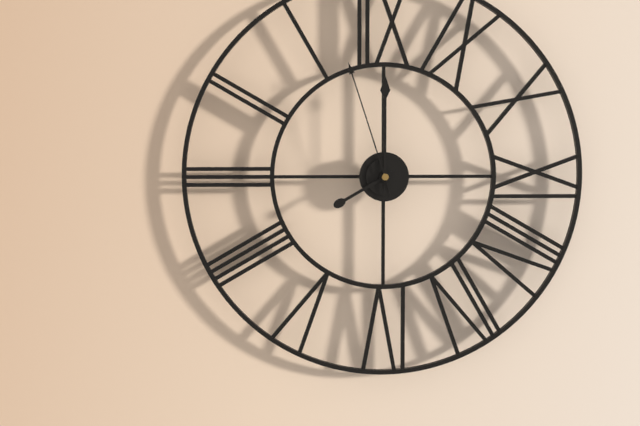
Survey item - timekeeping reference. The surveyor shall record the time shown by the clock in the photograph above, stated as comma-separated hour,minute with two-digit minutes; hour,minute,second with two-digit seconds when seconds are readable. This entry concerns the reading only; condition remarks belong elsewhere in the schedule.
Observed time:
8,00,57
